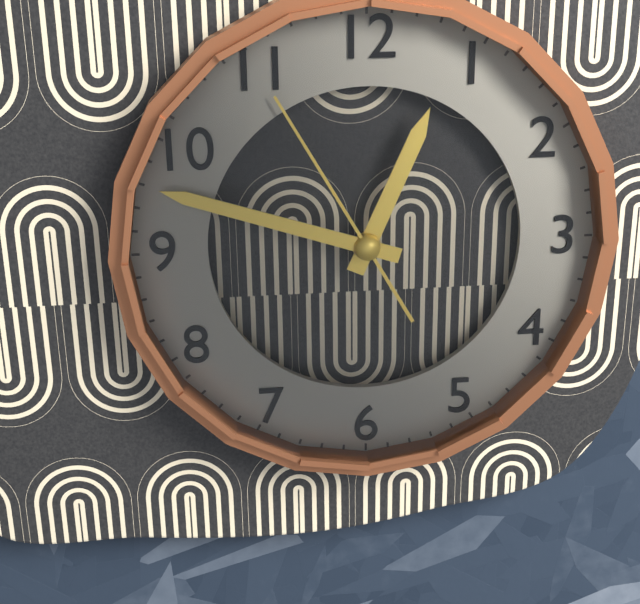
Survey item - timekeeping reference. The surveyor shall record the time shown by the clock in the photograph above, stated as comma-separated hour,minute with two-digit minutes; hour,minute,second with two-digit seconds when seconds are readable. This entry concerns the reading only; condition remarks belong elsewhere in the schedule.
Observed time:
12,48,55
